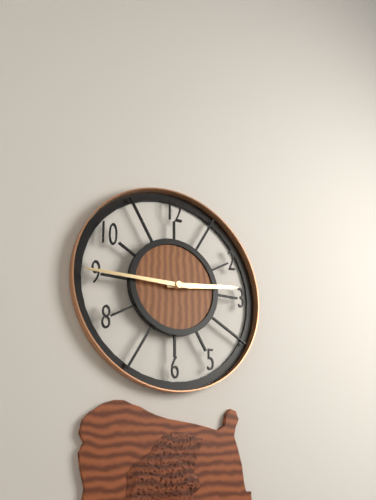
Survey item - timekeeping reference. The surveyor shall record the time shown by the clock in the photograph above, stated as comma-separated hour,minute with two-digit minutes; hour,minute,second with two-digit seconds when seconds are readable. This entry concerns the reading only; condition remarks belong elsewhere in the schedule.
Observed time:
2,45
